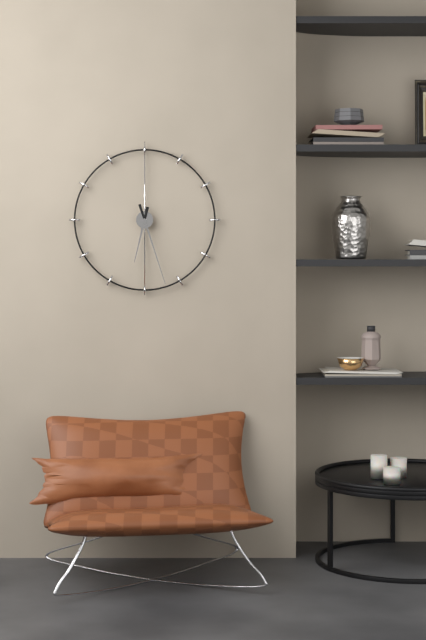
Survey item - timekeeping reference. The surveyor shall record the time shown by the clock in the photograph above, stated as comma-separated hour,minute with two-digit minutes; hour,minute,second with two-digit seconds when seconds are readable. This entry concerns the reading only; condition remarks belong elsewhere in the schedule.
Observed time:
6,27
